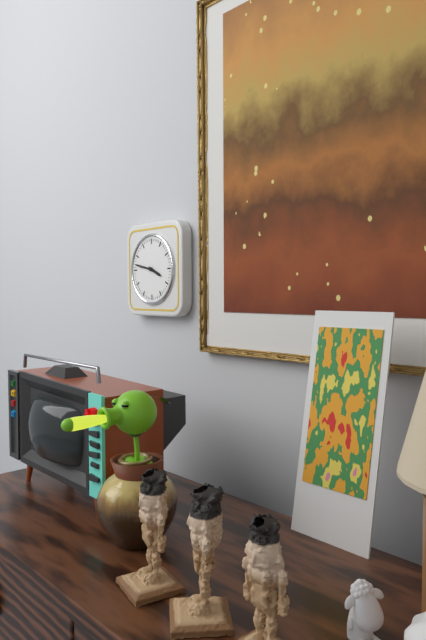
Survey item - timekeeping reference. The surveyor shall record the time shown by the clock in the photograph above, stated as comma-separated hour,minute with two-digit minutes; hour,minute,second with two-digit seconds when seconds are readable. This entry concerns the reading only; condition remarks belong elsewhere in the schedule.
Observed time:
3,47
